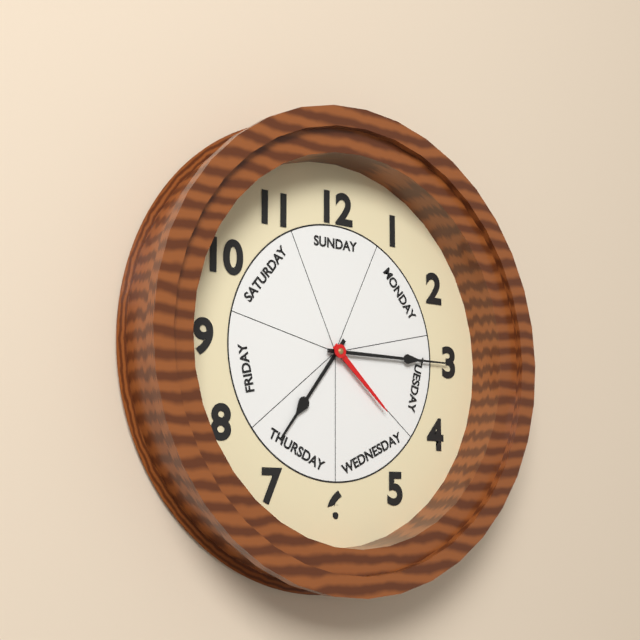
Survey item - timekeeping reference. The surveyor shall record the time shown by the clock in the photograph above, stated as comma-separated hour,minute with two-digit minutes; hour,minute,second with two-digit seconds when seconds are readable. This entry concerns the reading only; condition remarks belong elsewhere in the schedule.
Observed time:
7,15,22
